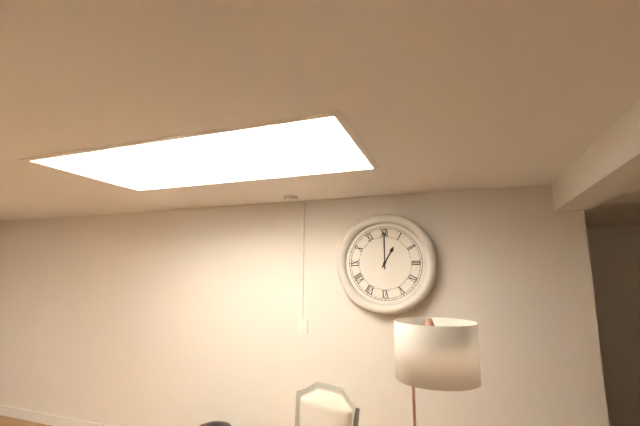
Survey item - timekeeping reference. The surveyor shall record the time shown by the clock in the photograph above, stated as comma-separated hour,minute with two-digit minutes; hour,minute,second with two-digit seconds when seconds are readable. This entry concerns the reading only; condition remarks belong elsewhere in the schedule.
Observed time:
1,00
